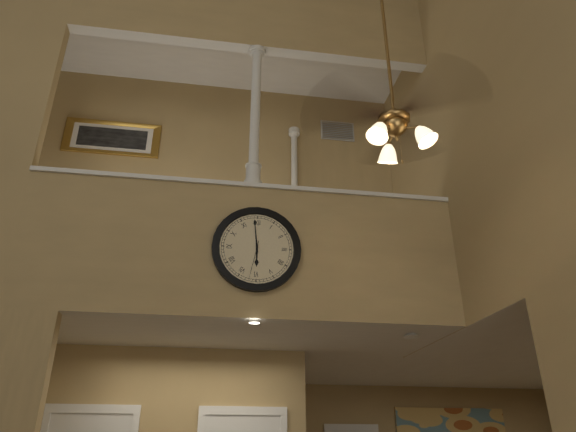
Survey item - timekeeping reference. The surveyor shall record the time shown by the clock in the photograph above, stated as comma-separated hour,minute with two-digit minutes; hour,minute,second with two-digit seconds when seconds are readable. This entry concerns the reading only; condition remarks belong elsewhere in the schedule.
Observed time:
5,59
